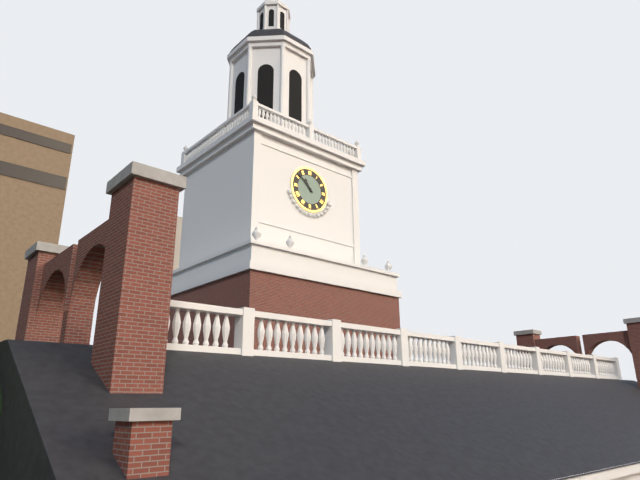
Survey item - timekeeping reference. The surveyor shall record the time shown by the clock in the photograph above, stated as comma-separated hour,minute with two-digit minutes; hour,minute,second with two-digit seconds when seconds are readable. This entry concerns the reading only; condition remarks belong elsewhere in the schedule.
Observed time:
10,52
